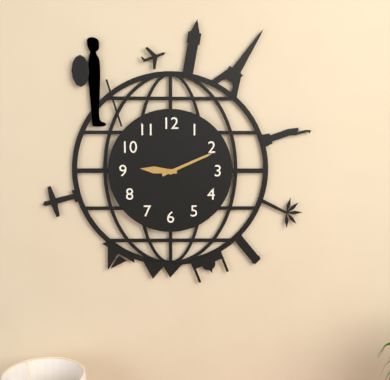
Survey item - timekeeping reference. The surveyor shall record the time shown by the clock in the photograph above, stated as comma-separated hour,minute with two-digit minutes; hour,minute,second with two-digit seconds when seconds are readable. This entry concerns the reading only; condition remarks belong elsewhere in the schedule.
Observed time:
9,11
